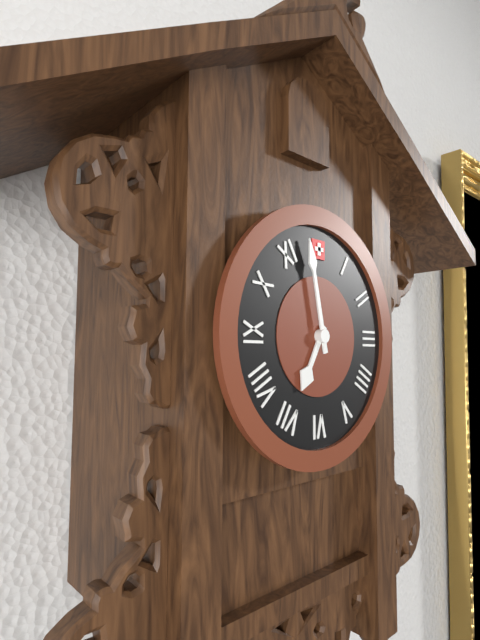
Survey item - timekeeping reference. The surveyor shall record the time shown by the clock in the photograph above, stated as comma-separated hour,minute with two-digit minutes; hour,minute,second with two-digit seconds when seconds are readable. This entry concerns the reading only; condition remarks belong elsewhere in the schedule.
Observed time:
6,58
